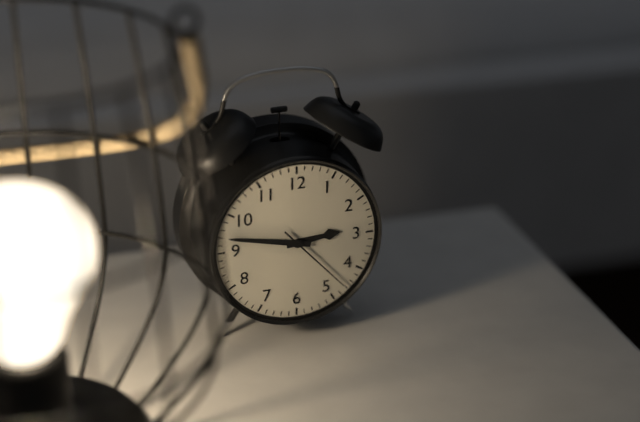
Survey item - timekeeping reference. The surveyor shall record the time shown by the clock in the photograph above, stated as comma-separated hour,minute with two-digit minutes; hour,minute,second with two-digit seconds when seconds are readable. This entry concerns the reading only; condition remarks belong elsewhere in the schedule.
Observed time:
2,47,23
